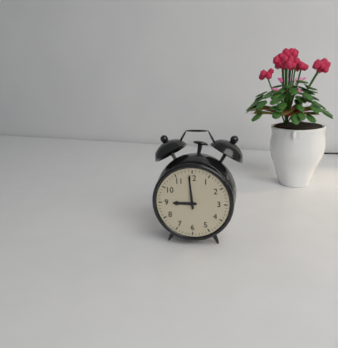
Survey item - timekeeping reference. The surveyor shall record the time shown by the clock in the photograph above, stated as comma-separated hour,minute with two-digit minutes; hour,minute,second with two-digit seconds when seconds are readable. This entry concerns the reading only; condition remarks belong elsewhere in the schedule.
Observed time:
8,59
